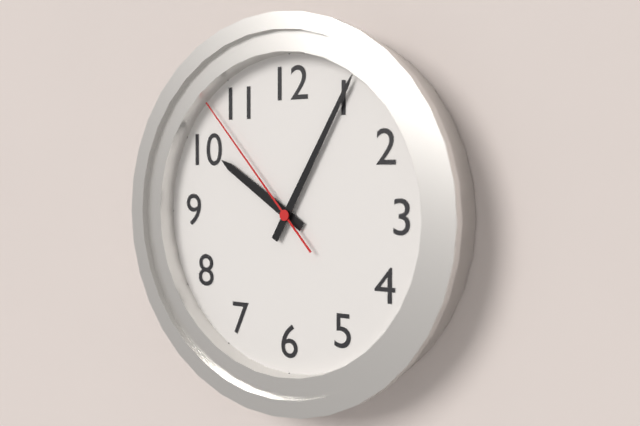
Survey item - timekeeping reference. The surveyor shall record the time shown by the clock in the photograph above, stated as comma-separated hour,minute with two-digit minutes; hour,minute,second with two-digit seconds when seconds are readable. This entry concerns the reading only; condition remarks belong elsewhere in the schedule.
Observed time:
10,05,53
